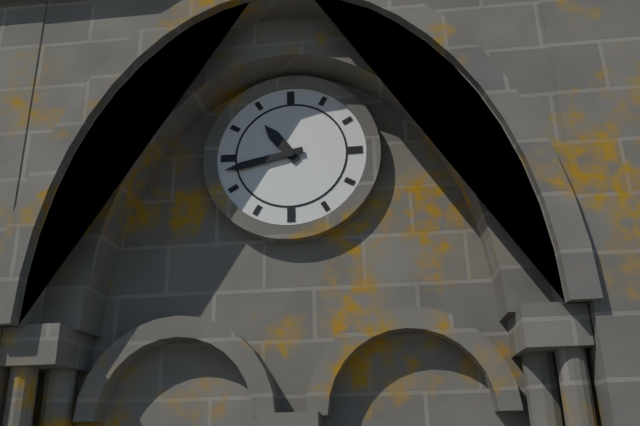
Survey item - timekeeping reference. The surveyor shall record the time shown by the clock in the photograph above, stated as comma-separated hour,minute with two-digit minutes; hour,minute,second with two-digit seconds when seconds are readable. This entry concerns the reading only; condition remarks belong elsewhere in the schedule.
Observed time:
10,43
